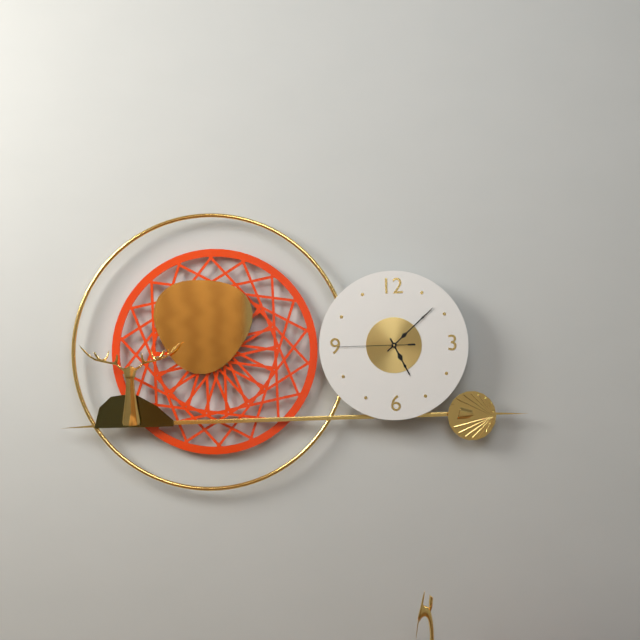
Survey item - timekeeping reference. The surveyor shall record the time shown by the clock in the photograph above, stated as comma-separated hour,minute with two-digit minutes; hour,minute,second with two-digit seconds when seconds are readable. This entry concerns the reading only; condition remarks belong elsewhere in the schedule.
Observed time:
5,08,45
